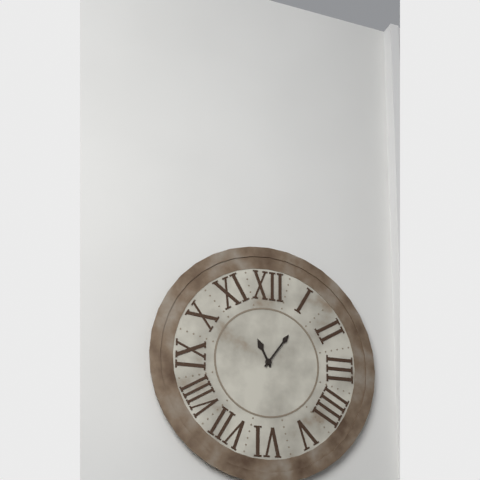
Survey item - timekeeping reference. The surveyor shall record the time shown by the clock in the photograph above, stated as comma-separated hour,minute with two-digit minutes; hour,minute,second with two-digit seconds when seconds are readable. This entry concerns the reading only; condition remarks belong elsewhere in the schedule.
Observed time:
11,06
